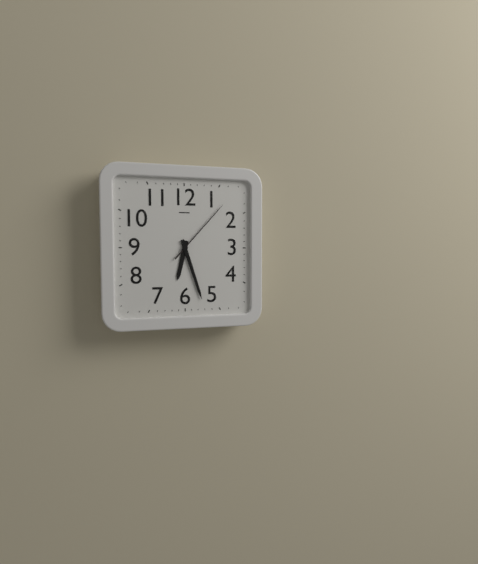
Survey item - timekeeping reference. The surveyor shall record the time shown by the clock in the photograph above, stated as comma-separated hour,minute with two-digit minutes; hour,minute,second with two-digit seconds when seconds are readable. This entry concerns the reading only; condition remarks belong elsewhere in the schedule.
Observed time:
6,27,07
